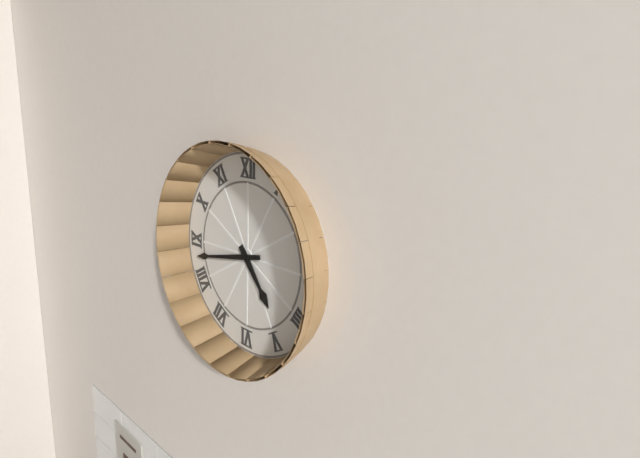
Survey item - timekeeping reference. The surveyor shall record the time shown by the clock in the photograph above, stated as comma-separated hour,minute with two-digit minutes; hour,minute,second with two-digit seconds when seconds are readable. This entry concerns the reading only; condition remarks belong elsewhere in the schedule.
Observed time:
4,43
